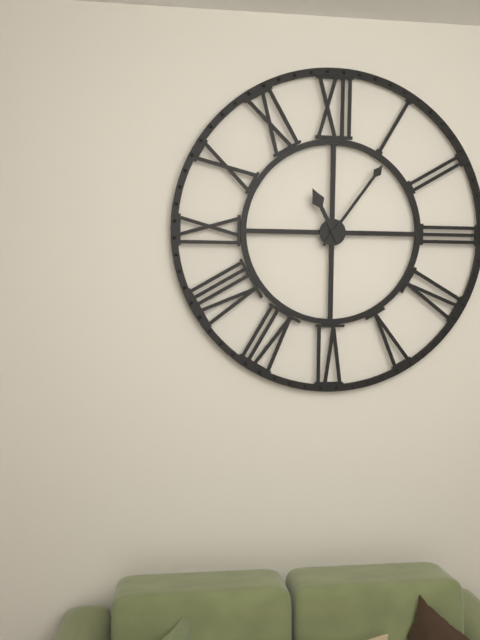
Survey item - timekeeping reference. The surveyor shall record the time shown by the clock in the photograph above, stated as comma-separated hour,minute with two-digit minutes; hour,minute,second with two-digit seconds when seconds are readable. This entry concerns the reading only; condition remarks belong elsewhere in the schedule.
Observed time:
11,06
